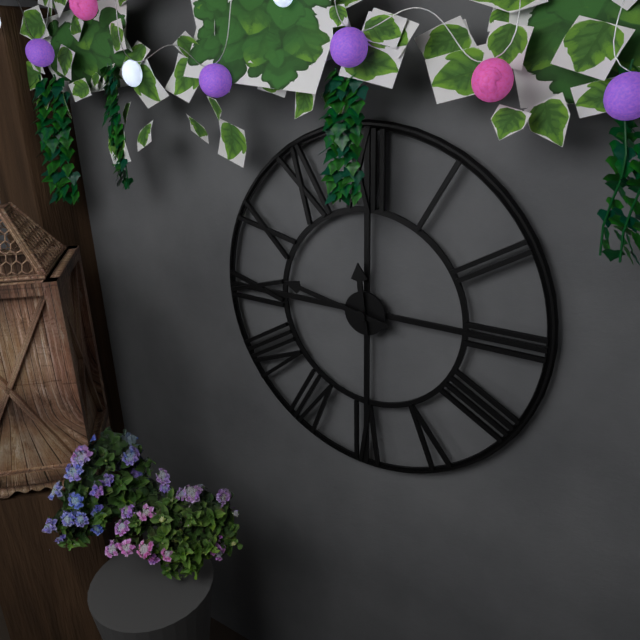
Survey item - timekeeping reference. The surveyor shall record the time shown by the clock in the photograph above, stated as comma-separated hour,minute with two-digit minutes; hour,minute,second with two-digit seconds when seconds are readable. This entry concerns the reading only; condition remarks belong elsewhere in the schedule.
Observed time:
11,47
